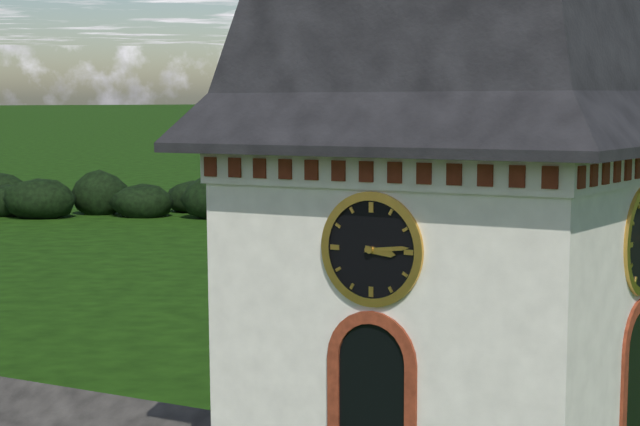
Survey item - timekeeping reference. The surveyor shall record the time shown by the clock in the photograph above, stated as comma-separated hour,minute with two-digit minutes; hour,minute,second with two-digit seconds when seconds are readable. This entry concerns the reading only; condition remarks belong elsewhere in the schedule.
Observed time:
3,14
